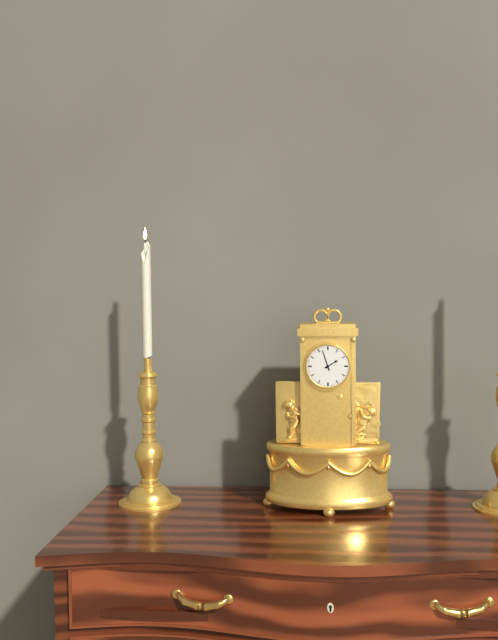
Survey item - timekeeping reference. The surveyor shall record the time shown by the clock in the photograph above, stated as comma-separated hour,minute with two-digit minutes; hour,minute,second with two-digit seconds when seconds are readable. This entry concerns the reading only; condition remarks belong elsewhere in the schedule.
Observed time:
1,57
